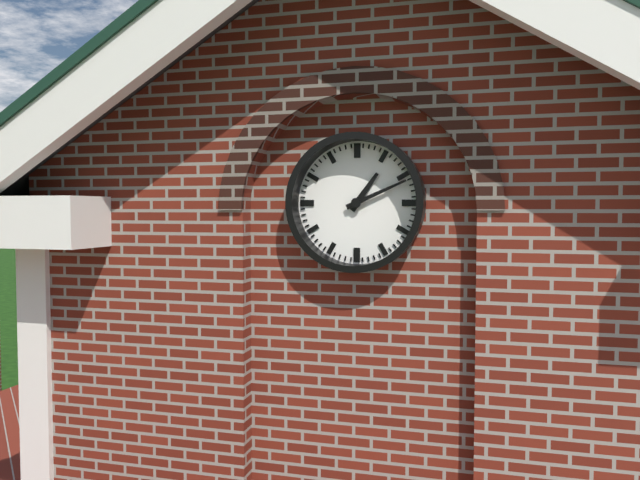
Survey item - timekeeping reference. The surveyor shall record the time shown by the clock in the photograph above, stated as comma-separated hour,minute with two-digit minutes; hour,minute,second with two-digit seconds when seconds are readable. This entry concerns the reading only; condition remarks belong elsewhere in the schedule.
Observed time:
1,11
